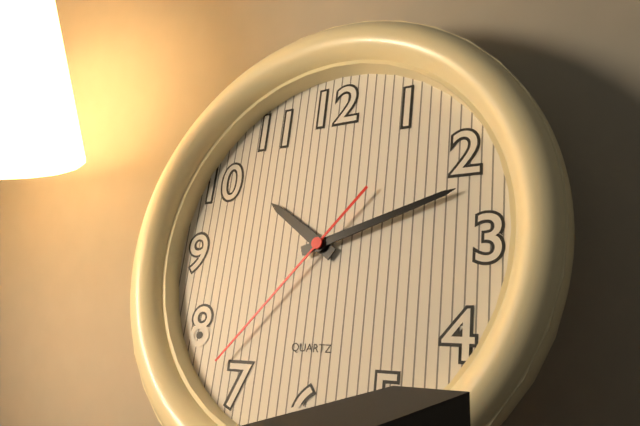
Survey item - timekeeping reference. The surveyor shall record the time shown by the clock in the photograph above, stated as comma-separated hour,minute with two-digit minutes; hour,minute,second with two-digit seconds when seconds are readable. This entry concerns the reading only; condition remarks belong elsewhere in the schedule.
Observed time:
10,12,37
